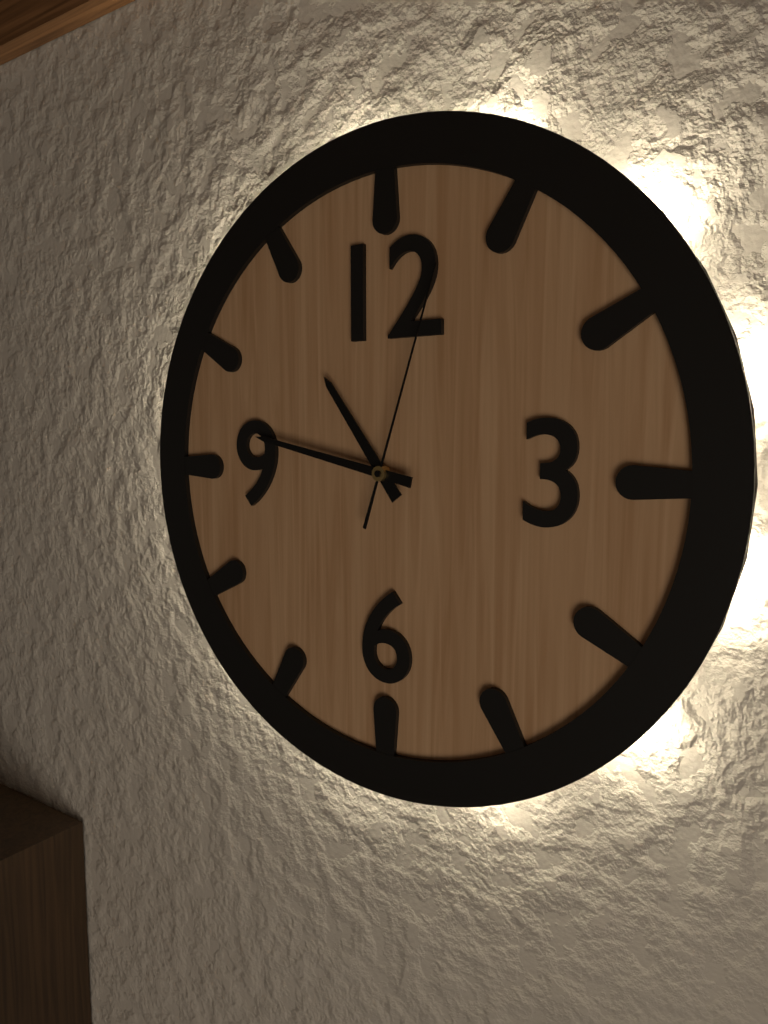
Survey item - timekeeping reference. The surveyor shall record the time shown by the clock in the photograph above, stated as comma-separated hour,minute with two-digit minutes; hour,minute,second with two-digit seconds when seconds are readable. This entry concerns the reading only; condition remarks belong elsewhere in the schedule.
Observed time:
10,47,03
